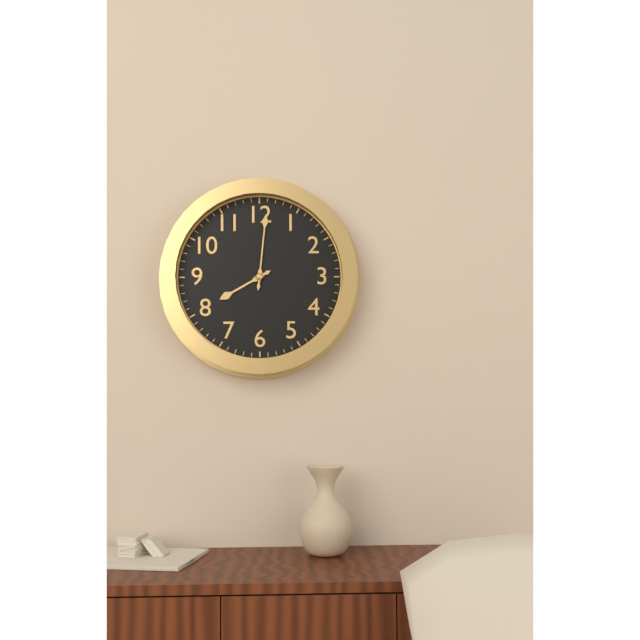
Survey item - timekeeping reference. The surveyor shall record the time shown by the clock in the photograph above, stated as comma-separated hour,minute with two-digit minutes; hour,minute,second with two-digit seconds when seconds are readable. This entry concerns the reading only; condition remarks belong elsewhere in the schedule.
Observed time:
8,01
